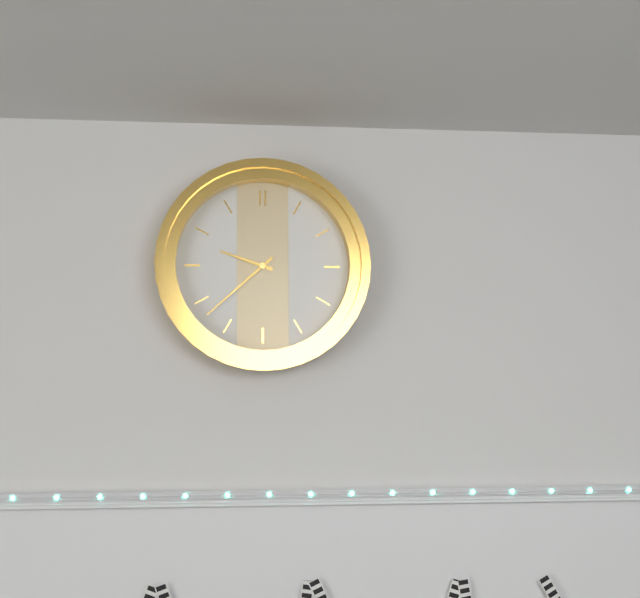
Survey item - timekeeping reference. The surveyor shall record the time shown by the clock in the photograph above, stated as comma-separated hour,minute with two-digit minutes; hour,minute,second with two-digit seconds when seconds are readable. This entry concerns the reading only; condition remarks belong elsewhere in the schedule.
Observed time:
9,38
